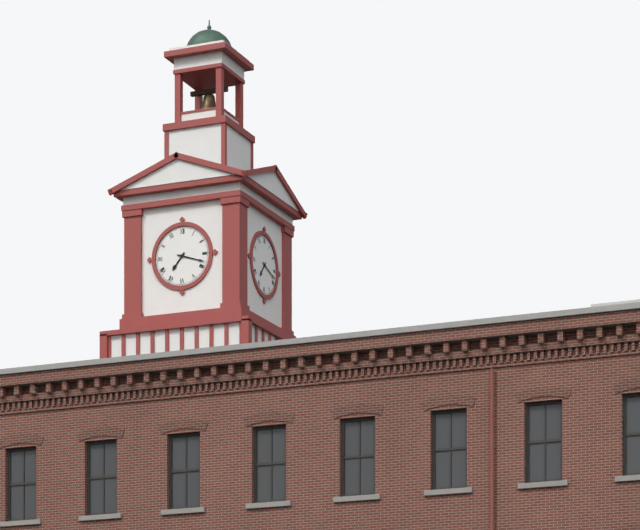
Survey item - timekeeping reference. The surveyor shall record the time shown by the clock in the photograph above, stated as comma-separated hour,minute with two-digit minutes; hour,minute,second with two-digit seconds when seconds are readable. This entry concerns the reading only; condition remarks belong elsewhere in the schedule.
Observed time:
7,18
